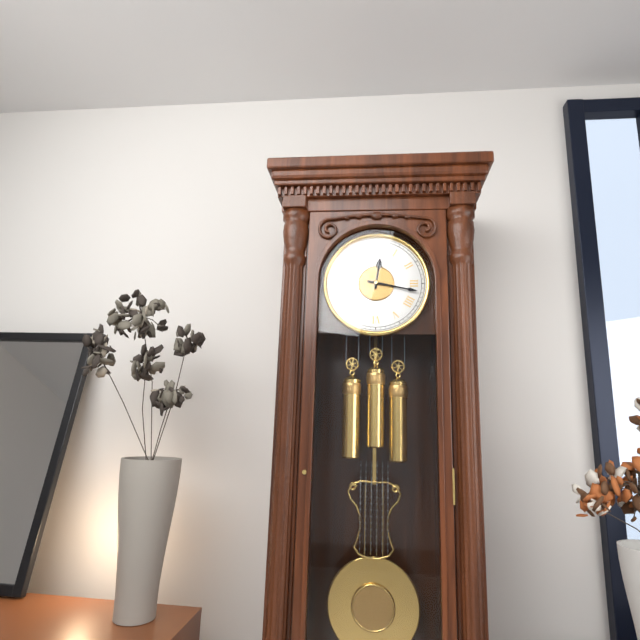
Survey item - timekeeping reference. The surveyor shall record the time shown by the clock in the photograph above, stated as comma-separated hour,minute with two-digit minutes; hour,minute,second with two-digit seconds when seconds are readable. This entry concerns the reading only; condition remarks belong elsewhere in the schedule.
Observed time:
12,17
